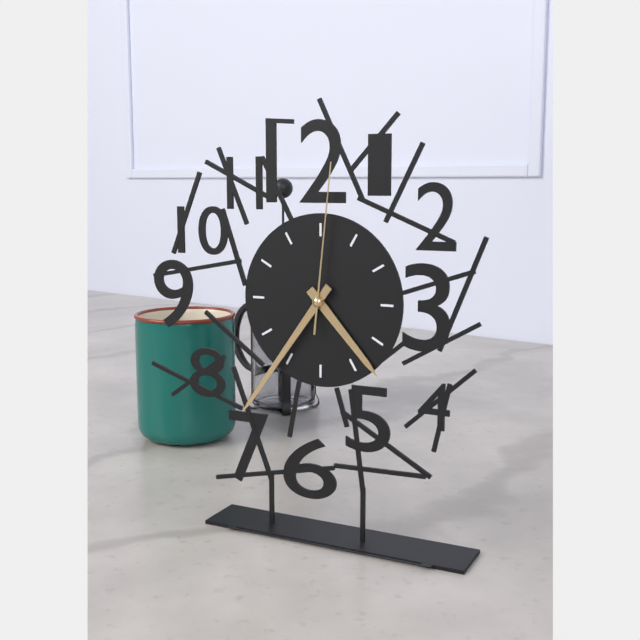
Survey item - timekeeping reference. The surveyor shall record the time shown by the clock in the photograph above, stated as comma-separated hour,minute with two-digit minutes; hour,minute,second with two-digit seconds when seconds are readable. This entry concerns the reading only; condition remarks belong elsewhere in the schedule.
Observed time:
4,36,01
